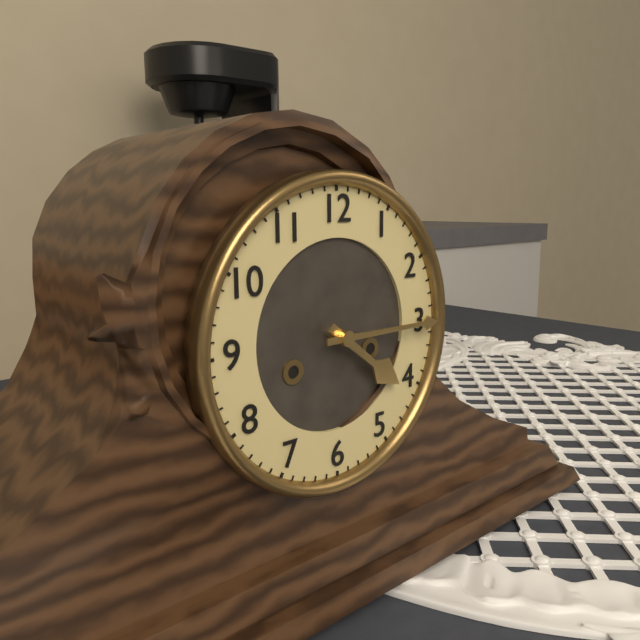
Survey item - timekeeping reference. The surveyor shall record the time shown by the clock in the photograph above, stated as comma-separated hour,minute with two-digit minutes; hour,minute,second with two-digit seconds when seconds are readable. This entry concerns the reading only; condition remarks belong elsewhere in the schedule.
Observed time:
4,15
